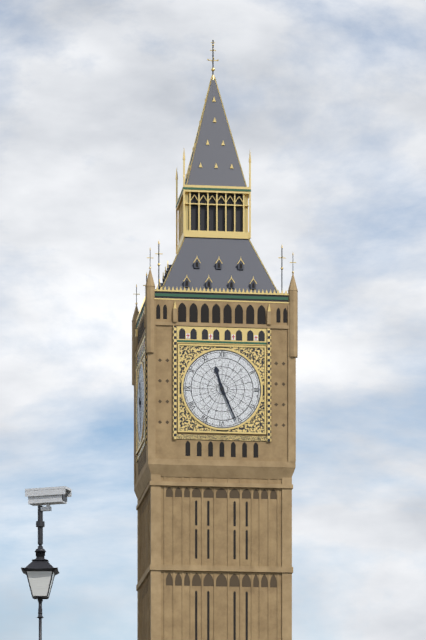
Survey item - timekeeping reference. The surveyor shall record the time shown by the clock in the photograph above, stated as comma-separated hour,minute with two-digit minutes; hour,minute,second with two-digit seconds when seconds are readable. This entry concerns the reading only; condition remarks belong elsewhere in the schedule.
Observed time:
11,26
